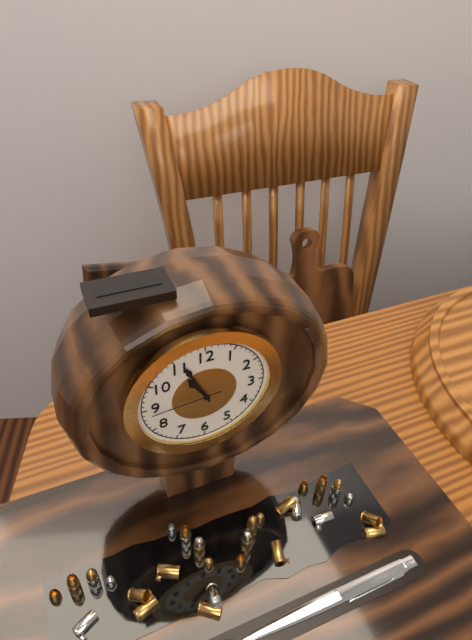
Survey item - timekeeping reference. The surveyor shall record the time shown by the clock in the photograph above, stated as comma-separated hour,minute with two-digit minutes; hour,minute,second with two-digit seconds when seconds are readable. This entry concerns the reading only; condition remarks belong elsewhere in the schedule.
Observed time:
10,56,44
